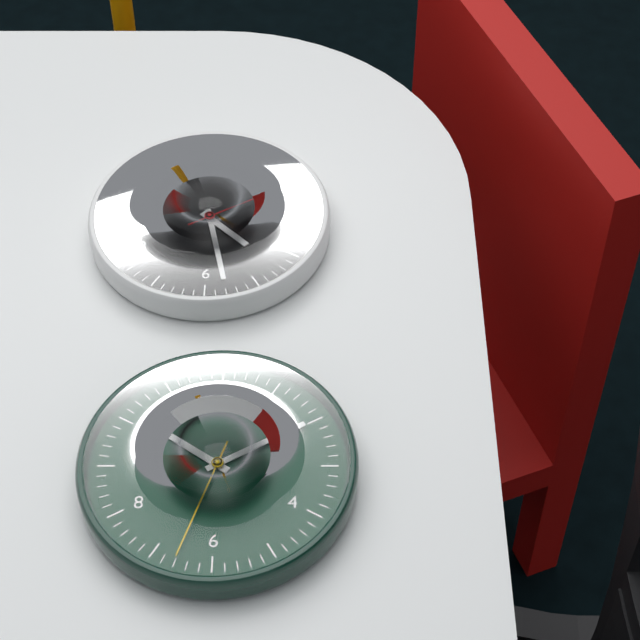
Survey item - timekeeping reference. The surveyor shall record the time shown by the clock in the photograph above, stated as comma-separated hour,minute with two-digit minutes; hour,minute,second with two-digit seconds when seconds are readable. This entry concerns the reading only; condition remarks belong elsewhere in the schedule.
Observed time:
4,28,10
